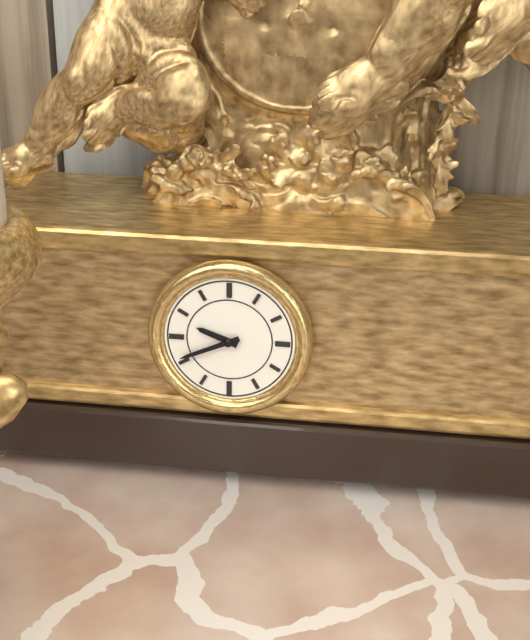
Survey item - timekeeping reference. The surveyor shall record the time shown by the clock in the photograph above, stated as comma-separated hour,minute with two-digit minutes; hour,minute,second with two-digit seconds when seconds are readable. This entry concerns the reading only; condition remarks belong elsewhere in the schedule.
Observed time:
9,41
